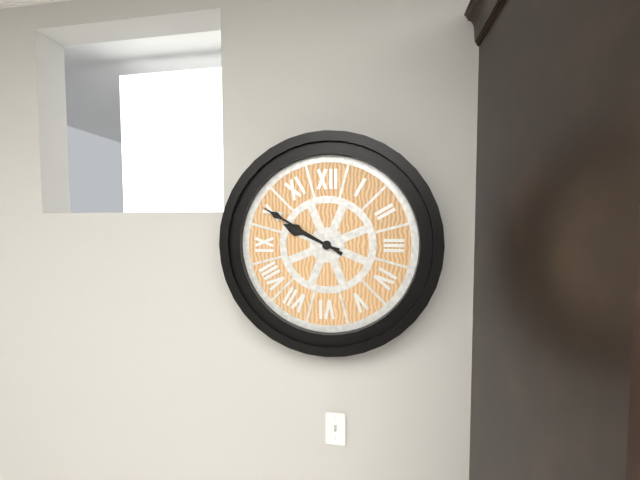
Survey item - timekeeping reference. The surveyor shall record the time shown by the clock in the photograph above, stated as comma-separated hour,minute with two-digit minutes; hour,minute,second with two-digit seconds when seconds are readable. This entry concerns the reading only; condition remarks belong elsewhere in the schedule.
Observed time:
9,50
